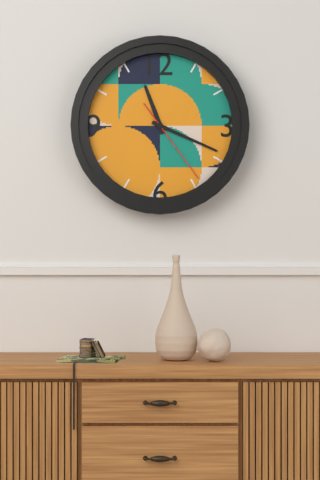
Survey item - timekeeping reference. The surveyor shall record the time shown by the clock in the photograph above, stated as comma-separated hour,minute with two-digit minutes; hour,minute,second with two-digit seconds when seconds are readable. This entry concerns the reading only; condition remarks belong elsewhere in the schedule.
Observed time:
11,19,24
